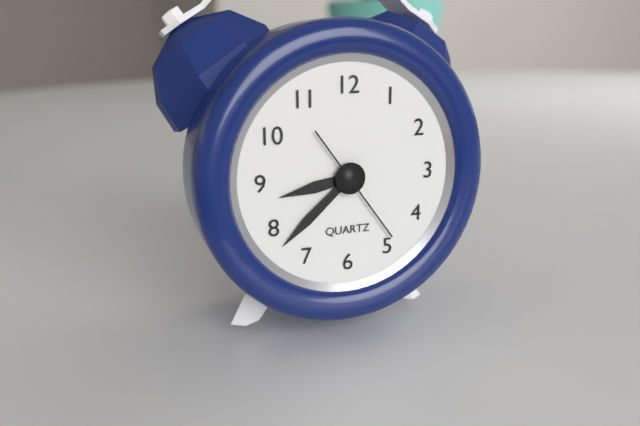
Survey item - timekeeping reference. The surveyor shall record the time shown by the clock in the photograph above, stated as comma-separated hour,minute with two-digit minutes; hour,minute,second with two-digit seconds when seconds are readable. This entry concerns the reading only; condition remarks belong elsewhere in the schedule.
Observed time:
8,38,24
